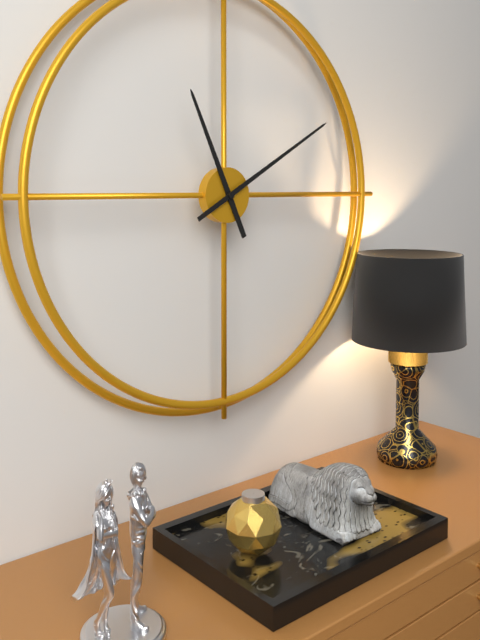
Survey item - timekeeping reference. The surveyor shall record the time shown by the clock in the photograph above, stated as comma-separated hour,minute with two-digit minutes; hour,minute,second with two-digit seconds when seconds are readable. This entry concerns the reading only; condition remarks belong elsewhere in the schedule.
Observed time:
11,10
